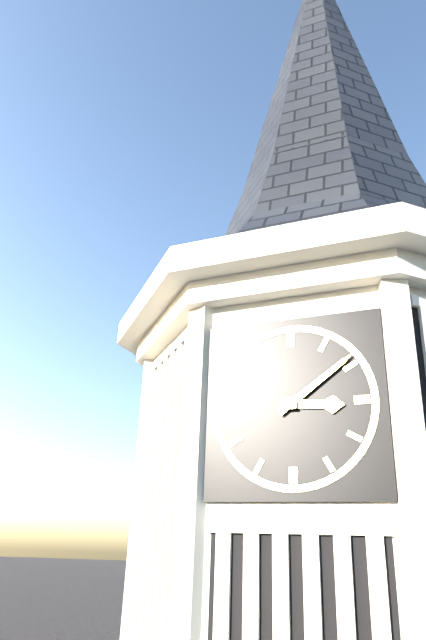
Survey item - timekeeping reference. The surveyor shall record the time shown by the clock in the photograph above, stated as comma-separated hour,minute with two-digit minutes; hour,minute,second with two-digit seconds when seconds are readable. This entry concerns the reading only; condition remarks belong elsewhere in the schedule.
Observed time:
3,09
